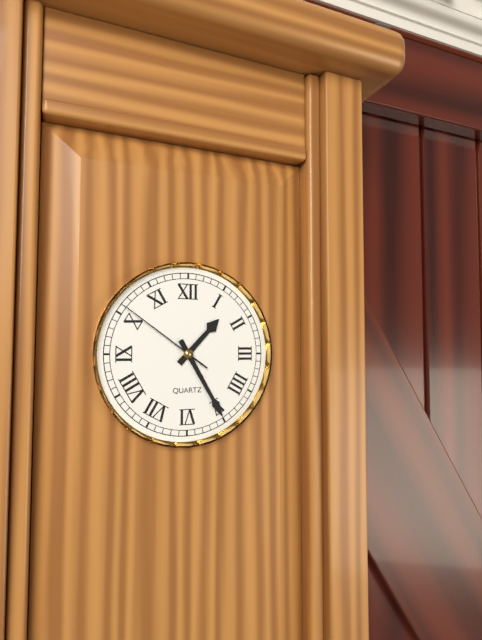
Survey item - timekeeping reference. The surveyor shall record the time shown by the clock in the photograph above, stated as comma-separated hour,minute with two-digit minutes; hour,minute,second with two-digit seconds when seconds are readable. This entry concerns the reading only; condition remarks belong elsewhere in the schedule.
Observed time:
1,25,51
